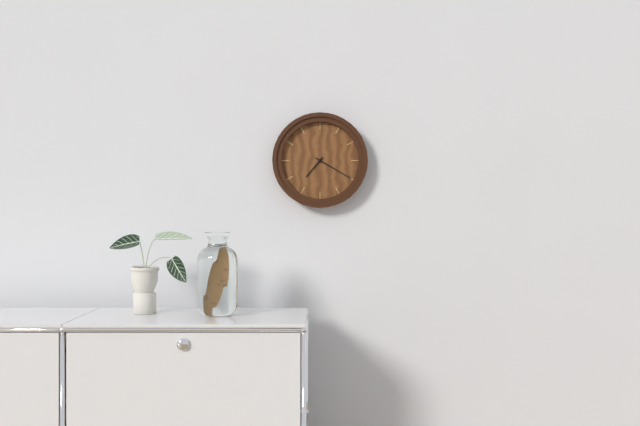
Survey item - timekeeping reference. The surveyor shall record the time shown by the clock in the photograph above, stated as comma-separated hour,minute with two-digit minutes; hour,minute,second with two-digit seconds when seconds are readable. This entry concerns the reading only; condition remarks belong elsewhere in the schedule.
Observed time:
7,20
